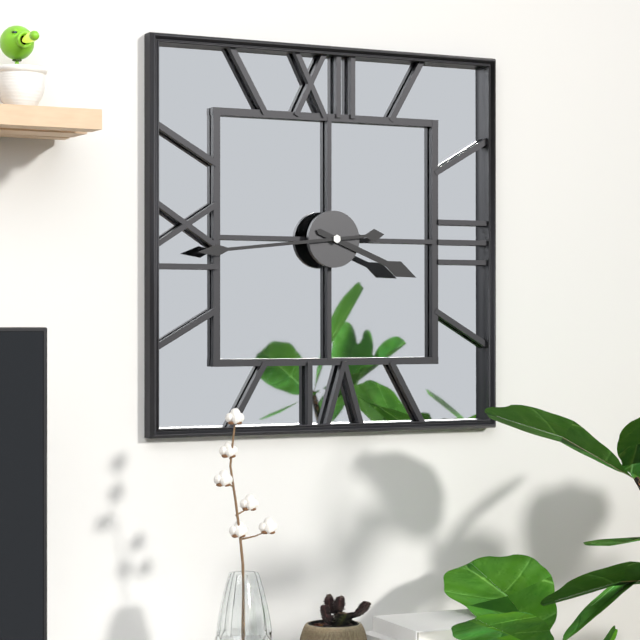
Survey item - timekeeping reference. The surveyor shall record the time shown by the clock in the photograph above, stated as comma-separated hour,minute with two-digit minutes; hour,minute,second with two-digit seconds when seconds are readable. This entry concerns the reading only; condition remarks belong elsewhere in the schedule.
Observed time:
3,44
